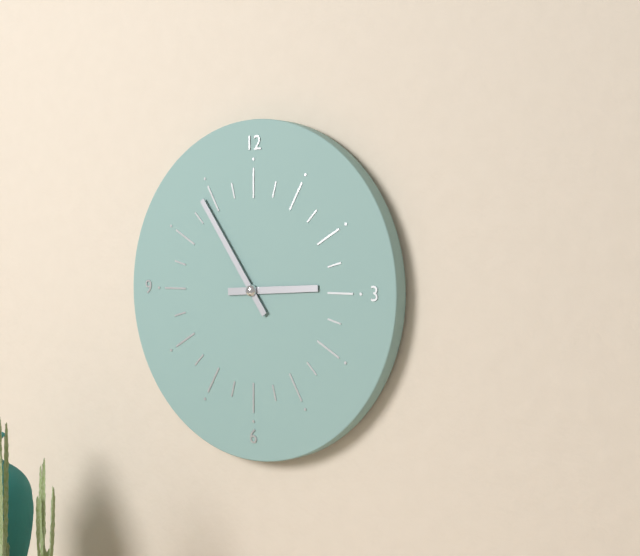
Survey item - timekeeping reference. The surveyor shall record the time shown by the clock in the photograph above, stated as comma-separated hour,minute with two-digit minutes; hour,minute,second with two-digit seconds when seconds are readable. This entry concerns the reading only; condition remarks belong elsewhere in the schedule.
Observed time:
2,54
